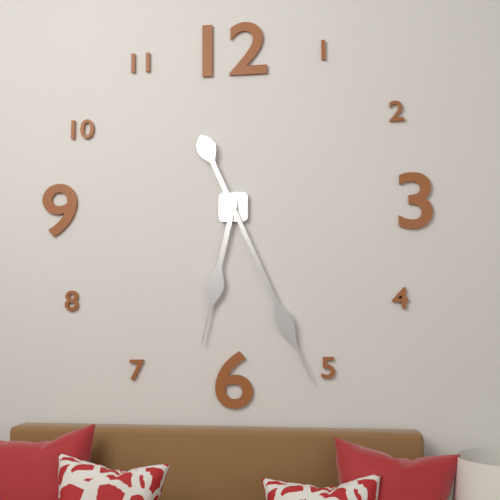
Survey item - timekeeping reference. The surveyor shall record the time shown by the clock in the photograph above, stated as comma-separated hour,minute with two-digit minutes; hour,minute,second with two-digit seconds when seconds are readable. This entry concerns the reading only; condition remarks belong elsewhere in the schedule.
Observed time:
6,26
